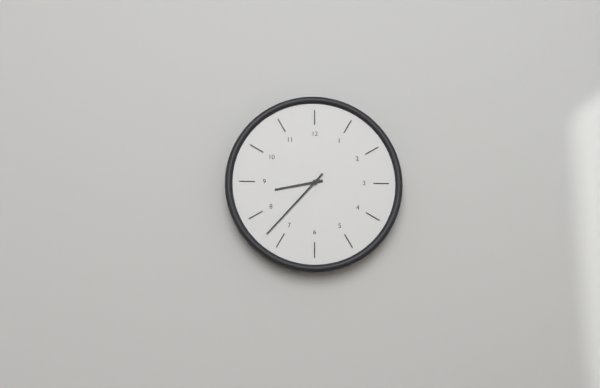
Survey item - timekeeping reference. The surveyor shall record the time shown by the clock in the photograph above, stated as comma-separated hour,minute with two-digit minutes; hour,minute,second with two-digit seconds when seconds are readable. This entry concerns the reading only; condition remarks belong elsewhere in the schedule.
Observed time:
8,37
